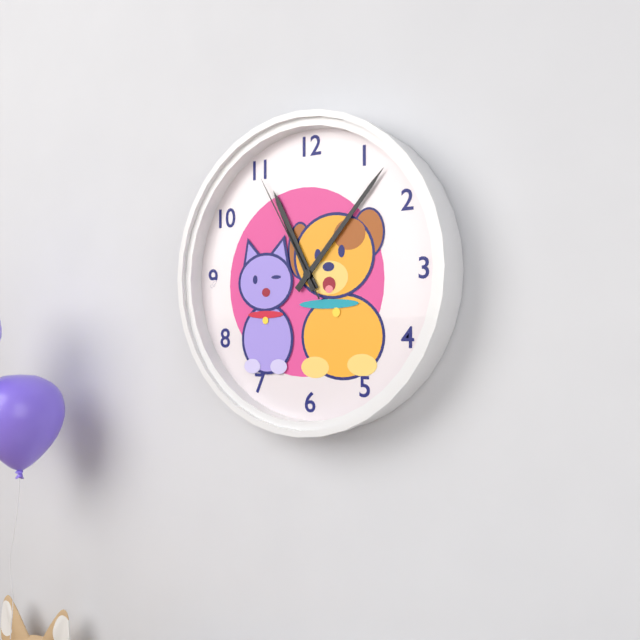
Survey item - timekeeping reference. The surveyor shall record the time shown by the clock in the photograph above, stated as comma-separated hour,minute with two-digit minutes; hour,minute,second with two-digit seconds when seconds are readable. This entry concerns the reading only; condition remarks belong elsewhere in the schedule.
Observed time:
11,07,55
